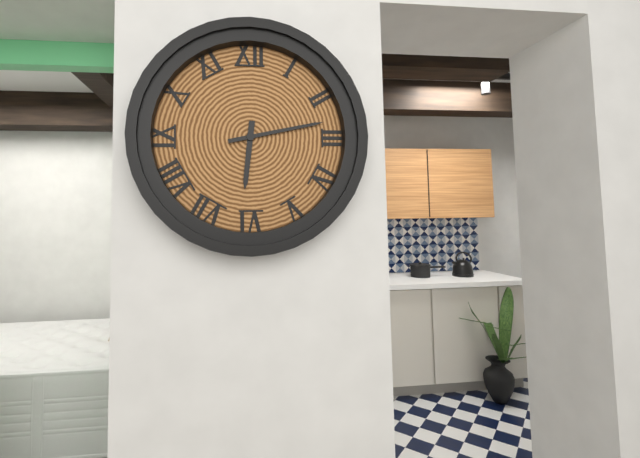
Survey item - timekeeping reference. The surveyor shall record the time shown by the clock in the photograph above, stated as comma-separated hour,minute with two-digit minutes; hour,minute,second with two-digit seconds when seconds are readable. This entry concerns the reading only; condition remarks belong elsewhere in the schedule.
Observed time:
6,13
